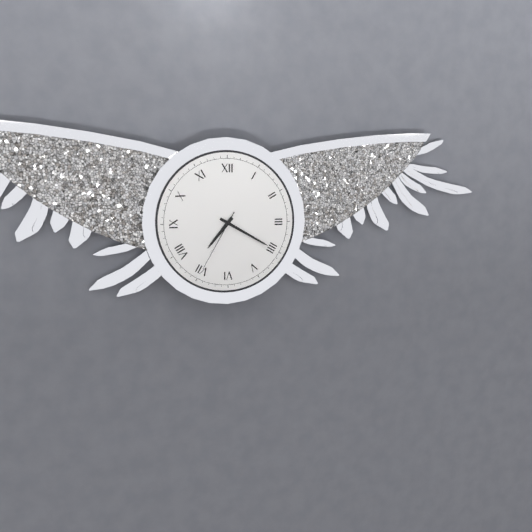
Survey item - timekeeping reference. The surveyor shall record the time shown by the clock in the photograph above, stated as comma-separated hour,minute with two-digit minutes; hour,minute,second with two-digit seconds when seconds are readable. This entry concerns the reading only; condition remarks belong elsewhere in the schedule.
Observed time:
7,20,35
